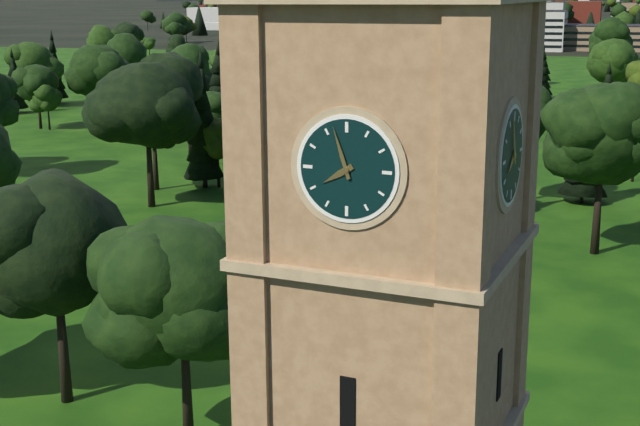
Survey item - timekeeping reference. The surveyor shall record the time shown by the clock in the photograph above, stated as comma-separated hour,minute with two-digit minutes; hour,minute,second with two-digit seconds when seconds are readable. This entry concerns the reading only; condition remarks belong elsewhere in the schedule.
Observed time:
7,57
